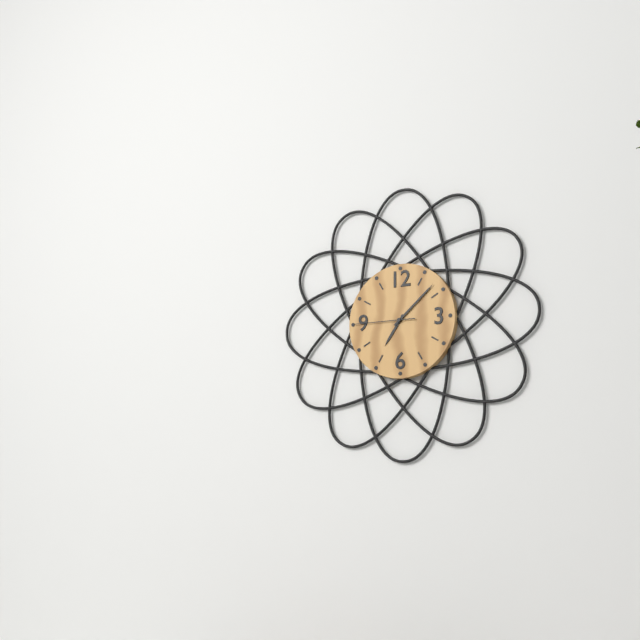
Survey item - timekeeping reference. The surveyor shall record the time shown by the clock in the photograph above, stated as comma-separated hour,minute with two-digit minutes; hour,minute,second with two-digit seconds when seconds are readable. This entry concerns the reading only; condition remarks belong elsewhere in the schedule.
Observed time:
7,08,45
